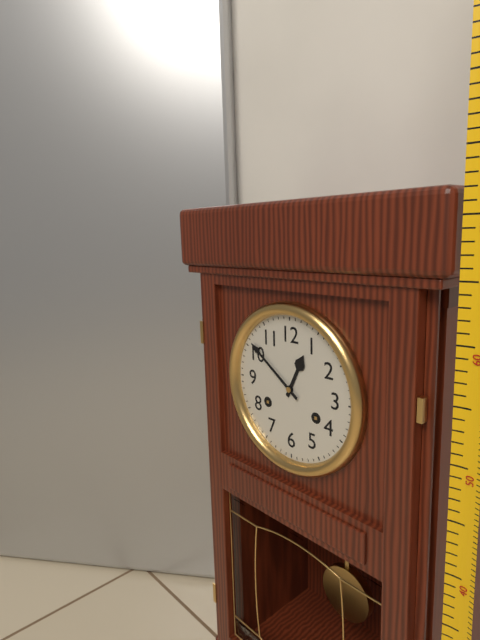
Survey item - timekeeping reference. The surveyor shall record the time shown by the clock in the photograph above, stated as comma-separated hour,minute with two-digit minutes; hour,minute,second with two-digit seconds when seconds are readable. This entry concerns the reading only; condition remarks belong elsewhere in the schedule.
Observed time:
12,51
